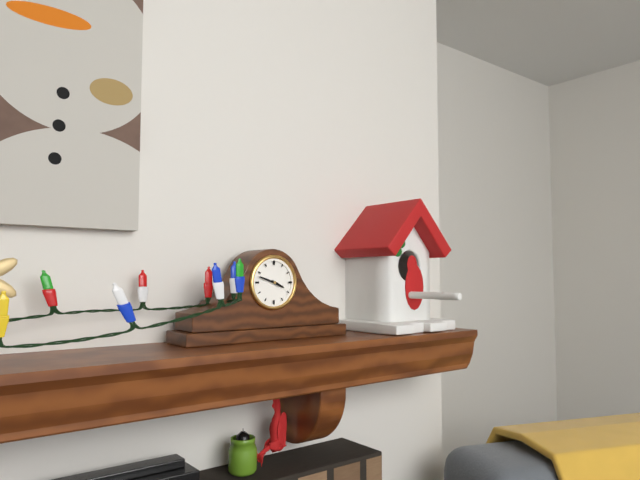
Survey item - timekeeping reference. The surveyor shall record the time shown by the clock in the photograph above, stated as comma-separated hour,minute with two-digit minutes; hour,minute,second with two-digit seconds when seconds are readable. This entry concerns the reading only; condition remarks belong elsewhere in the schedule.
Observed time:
3,48
